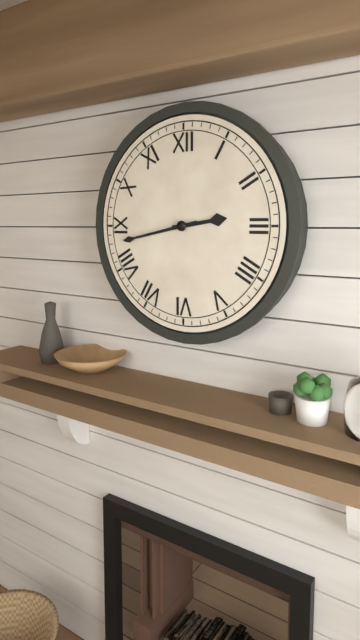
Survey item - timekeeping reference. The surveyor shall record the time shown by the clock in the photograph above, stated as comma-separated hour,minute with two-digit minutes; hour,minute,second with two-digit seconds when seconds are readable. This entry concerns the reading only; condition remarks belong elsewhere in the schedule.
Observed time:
2,43
